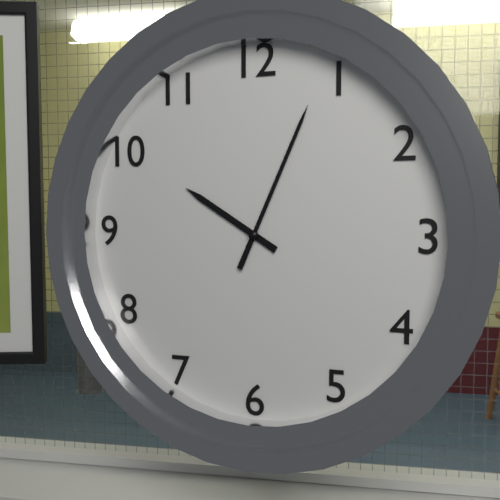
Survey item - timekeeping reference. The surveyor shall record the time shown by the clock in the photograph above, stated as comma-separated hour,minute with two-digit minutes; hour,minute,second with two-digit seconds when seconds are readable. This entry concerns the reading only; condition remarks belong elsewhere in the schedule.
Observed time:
10,04
